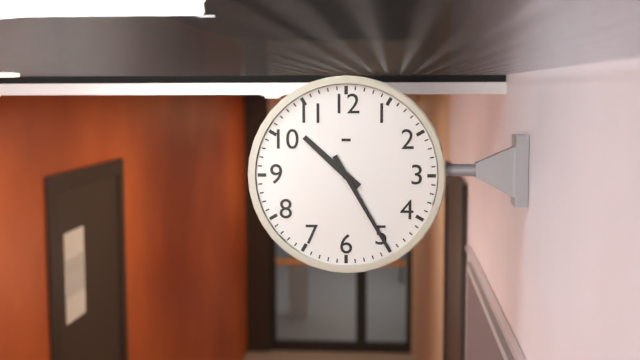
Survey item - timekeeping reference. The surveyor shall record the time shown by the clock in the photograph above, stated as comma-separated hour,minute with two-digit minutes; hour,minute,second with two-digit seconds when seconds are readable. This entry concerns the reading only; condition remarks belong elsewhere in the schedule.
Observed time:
10,25
